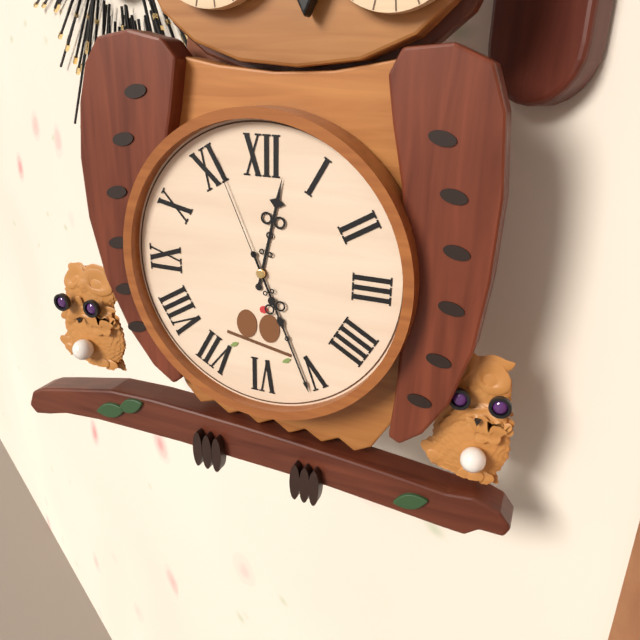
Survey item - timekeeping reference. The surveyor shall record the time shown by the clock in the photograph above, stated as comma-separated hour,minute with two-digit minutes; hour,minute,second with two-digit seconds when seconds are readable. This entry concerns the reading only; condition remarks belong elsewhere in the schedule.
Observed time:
12,26,56
